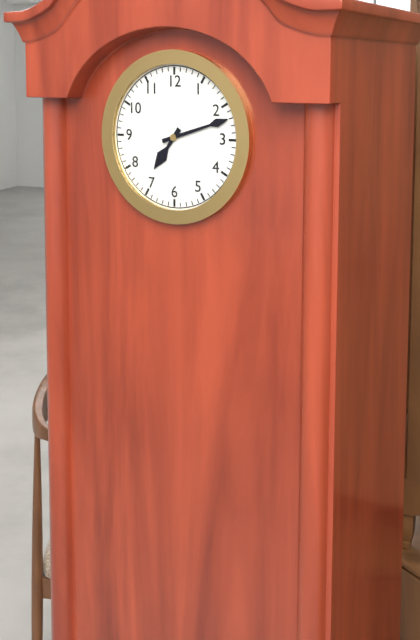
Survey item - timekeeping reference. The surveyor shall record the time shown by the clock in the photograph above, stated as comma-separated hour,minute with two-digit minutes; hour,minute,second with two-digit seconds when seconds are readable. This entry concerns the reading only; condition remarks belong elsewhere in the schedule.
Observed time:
7,12
